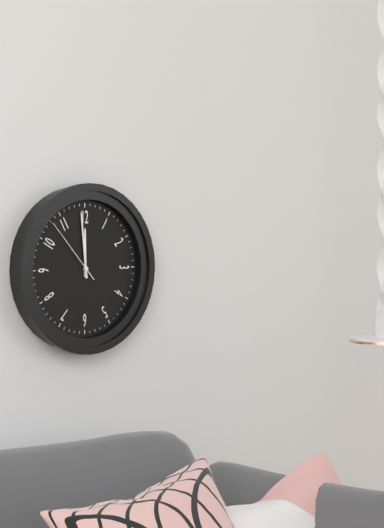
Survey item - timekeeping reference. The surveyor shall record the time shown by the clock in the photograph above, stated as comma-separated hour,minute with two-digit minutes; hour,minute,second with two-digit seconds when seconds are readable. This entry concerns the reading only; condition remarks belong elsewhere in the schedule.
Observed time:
11,59,53
